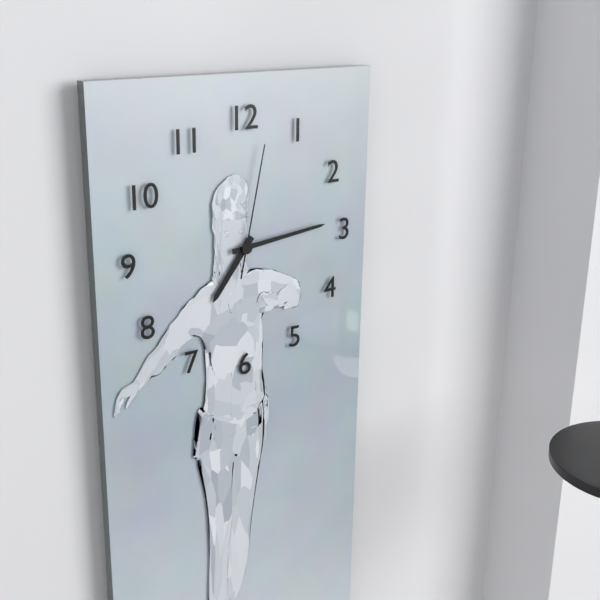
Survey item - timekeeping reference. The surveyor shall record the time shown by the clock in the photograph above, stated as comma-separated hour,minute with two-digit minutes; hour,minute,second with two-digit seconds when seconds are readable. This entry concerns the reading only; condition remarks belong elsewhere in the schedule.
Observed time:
7,14,02
